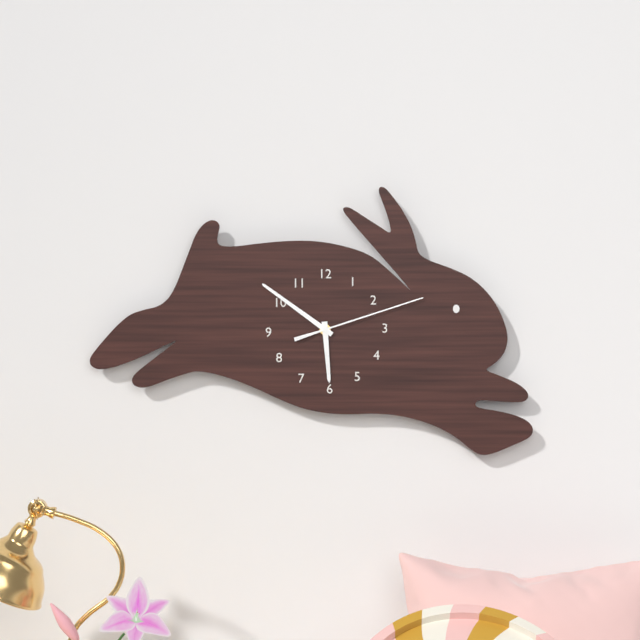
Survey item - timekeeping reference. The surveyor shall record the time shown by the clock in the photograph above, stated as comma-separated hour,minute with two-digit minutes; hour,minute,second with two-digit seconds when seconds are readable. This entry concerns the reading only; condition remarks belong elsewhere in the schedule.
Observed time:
5,51,12
